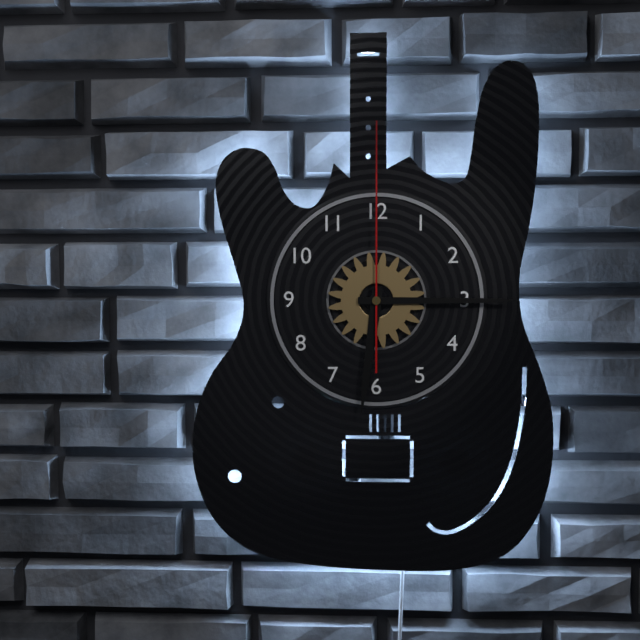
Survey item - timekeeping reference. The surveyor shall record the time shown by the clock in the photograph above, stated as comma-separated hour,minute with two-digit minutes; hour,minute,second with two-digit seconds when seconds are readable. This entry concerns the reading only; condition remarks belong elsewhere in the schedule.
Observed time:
6,15,00
